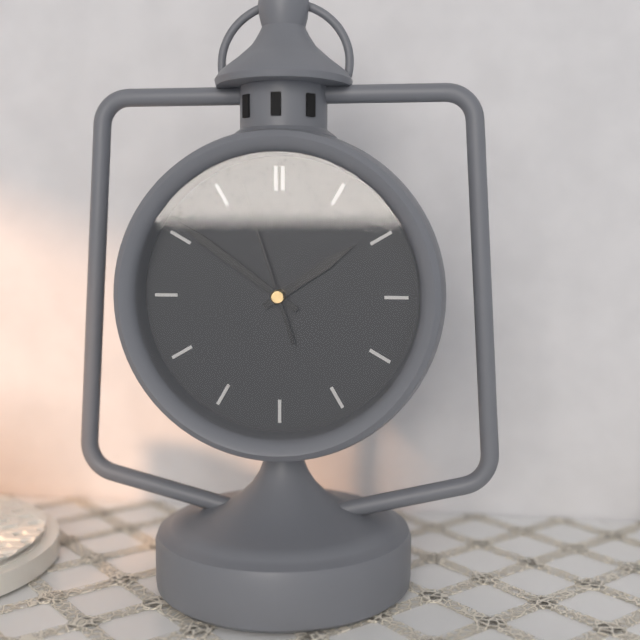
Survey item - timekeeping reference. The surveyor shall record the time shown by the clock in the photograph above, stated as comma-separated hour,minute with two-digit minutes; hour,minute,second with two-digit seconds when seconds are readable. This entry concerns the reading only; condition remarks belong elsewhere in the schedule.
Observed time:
1,51,57
